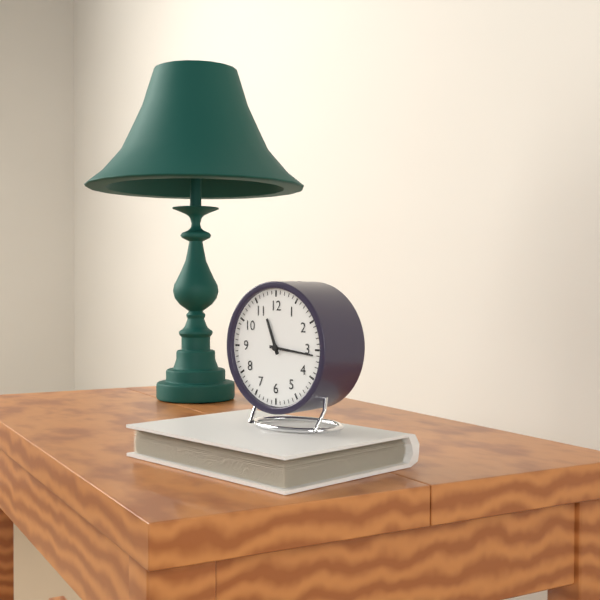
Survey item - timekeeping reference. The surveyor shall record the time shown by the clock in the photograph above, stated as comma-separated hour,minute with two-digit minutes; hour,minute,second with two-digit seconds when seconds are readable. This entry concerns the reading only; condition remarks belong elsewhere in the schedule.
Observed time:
11,16
